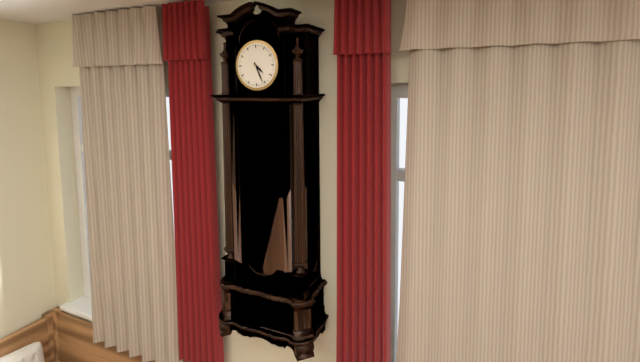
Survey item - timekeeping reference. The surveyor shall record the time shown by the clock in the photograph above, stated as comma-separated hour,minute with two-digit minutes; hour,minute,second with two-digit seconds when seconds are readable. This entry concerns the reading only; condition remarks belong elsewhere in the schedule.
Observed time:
4,26
